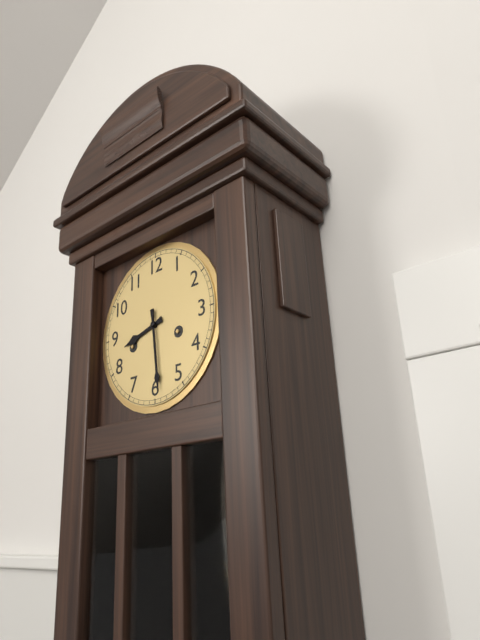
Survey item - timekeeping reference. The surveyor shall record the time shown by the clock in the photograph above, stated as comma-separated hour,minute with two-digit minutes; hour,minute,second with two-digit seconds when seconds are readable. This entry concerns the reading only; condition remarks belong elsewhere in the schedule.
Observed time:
8,29
